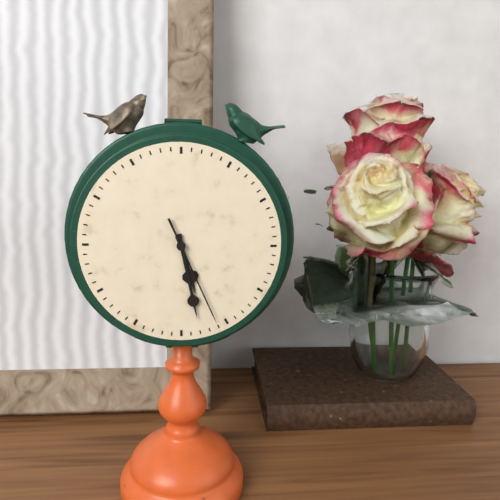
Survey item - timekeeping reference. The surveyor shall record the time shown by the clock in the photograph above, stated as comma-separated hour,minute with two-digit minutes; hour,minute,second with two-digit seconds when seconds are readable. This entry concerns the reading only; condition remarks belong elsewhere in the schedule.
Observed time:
5,28,26
